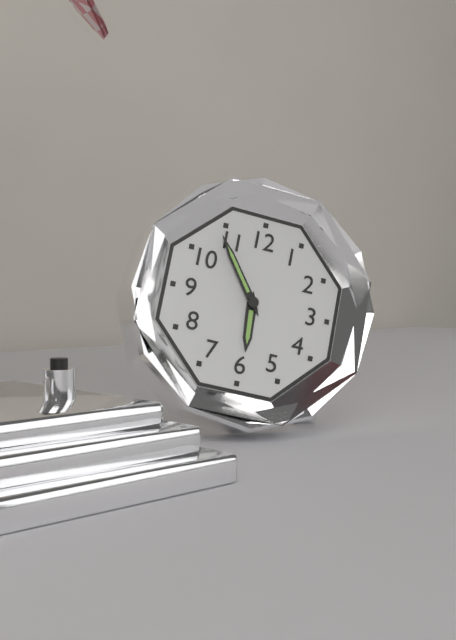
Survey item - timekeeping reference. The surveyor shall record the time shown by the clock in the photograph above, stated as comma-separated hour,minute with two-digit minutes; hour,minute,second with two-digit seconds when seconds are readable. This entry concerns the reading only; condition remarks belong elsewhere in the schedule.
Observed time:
5,54
